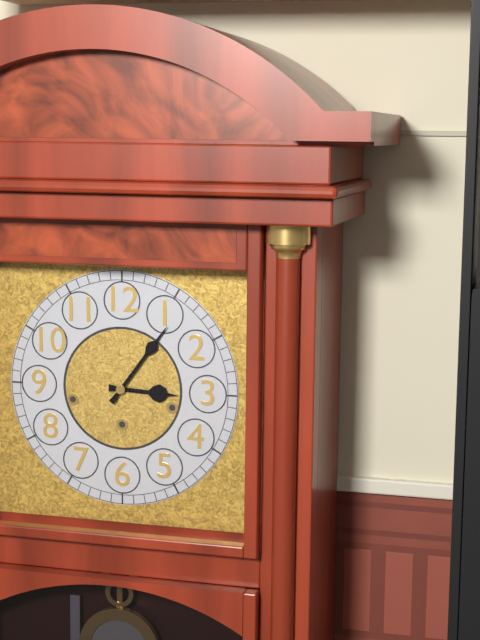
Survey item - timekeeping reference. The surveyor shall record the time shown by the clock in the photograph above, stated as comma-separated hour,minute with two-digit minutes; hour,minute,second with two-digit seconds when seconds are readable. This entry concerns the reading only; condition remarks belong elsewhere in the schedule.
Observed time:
3,06
